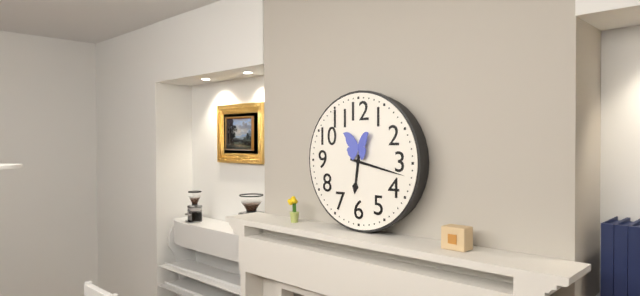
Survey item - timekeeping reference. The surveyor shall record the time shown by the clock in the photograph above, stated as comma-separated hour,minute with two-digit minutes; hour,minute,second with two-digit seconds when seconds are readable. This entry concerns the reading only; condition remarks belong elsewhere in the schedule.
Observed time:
6,17
